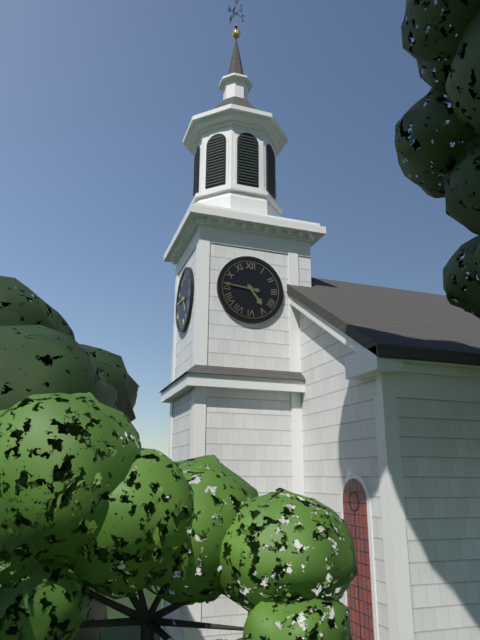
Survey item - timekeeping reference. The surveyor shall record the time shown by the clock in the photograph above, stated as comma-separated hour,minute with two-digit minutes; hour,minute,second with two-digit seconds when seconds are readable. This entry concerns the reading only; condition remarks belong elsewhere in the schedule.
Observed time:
4,46
